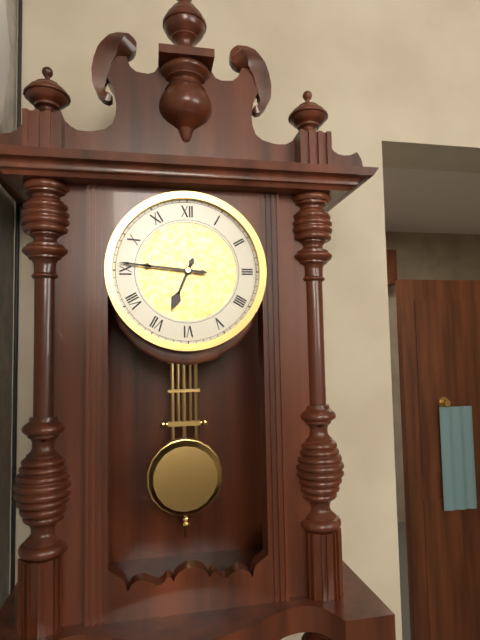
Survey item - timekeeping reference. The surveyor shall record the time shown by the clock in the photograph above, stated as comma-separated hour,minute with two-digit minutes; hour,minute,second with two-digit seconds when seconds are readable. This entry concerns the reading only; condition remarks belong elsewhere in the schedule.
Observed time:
6,46
